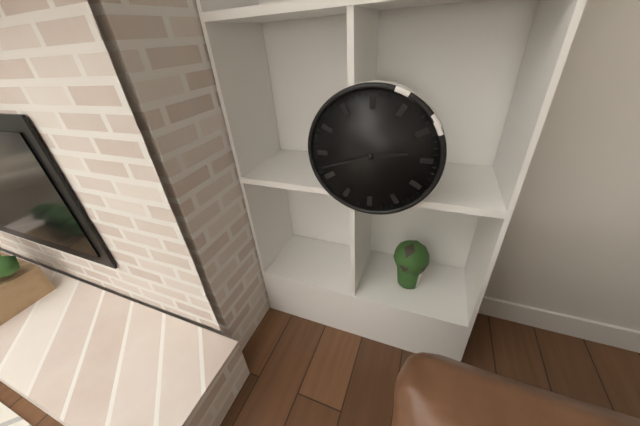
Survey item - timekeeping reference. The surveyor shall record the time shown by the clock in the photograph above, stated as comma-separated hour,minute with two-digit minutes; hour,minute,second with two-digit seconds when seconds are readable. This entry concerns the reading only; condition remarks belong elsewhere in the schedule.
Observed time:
2,42
